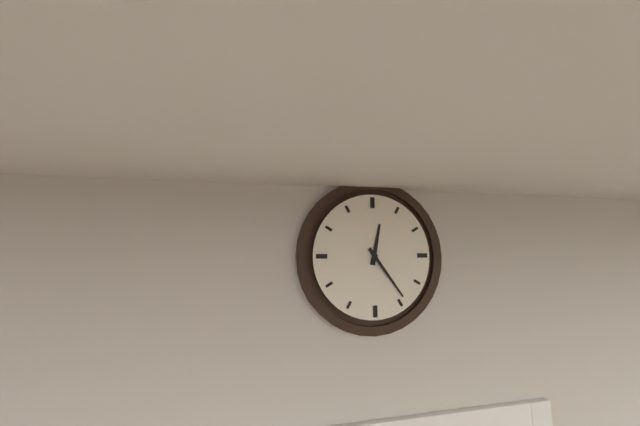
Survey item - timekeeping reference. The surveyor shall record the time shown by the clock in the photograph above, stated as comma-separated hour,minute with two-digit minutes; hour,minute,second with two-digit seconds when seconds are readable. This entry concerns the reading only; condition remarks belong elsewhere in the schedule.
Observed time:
12,24
